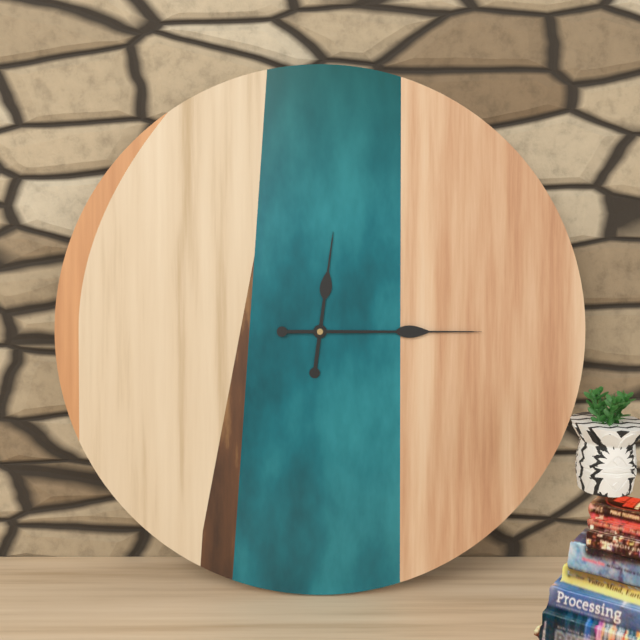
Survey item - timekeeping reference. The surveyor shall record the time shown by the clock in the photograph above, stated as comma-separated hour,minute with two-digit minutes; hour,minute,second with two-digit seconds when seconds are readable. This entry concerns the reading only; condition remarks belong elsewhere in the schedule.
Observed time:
12,15
